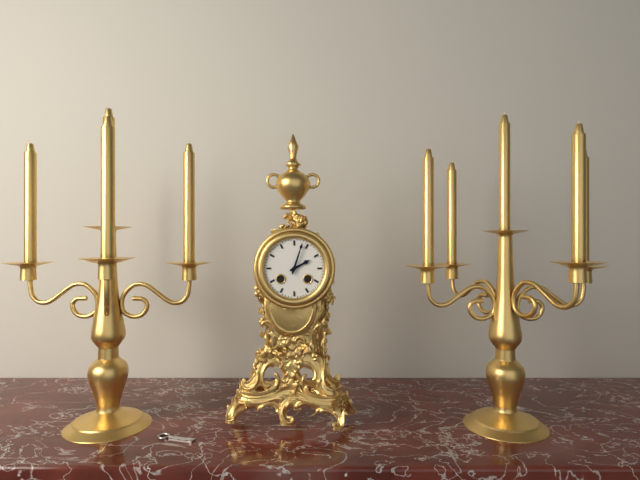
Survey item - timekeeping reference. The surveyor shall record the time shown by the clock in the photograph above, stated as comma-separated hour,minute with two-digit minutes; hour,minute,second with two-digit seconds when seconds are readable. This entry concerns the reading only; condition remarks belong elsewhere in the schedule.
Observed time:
2,03
